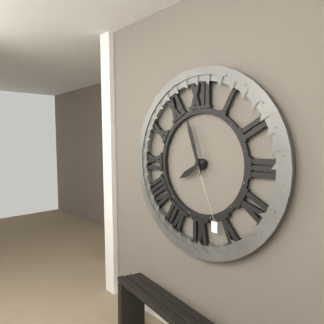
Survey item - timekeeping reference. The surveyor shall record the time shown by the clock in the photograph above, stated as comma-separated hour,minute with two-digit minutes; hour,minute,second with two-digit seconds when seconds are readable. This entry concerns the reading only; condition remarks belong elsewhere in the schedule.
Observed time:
7,57
